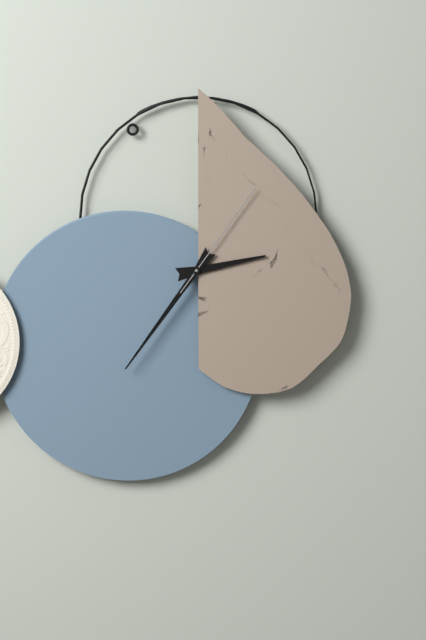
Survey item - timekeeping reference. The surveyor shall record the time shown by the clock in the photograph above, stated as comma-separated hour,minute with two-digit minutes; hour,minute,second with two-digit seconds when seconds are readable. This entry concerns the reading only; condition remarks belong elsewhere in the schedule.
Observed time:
2,36,06
